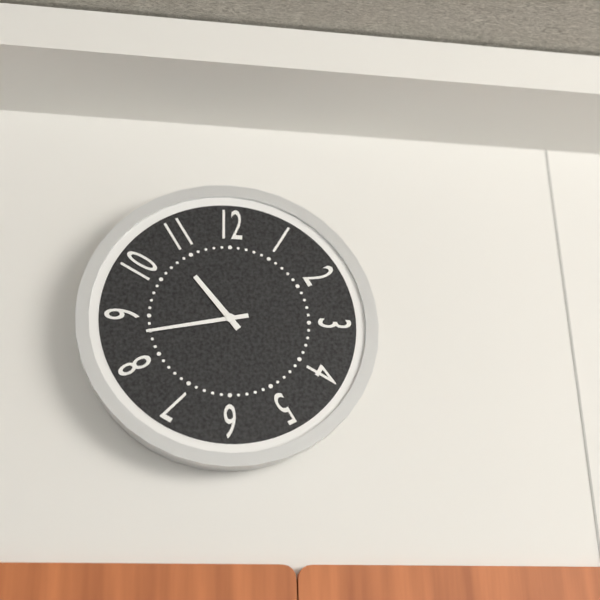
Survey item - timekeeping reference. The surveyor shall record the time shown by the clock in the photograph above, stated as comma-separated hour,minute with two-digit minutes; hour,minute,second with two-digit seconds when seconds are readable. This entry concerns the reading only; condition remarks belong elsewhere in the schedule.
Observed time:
10,43
